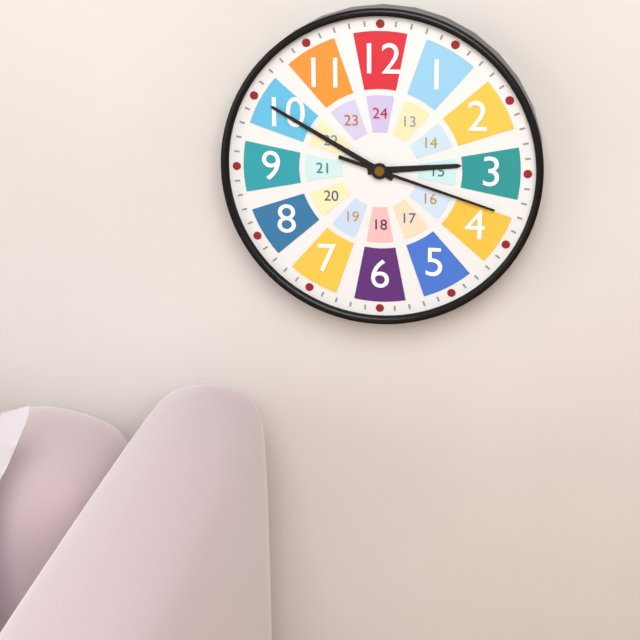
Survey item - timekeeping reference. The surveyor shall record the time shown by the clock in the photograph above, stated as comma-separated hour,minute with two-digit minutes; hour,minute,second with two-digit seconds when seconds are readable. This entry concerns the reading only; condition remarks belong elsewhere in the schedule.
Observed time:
2,50,18
